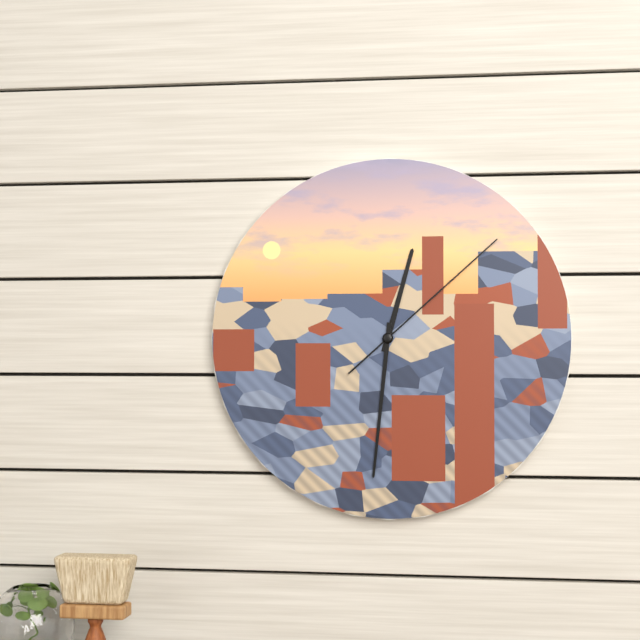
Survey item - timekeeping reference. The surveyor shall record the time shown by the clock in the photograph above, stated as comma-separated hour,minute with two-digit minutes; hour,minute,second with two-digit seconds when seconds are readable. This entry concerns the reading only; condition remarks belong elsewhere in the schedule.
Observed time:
12,31,08
